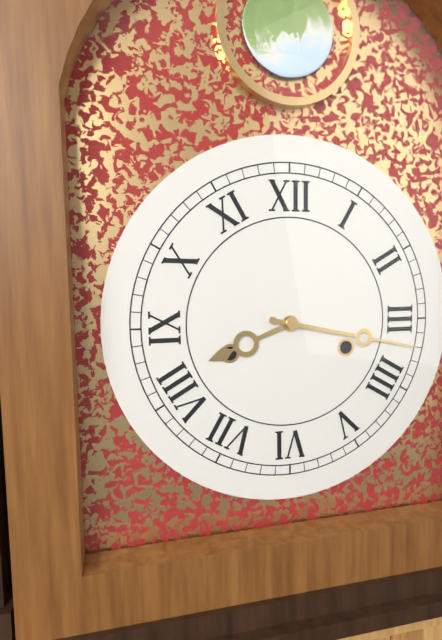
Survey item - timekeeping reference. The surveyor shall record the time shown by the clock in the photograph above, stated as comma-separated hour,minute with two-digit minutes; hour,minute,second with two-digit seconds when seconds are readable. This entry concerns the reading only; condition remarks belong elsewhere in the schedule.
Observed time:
8,17
